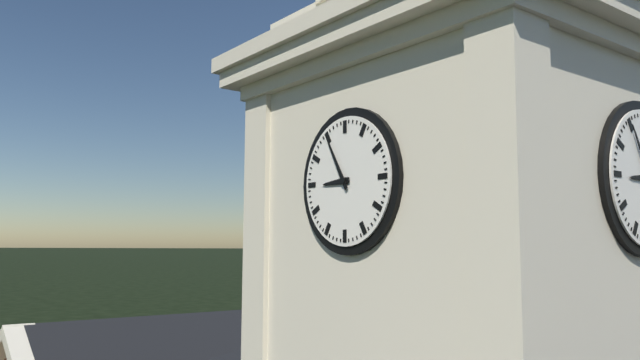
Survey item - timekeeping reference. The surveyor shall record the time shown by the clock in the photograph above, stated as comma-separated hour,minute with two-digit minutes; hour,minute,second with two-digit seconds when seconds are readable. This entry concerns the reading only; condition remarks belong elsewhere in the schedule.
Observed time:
8,55
